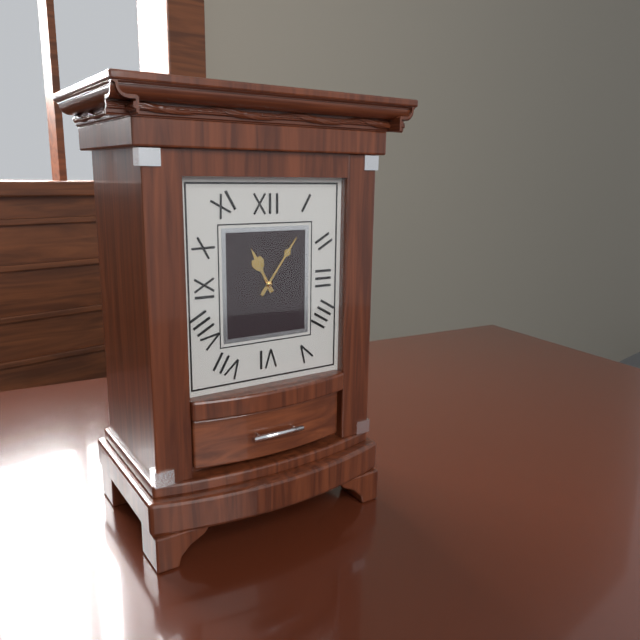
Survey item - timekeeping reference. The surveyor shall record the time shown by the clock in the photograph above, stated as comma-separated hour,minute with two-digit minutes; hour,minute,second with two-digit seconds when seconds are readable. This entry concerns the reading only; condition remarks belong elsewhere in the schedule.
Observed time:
11,06
